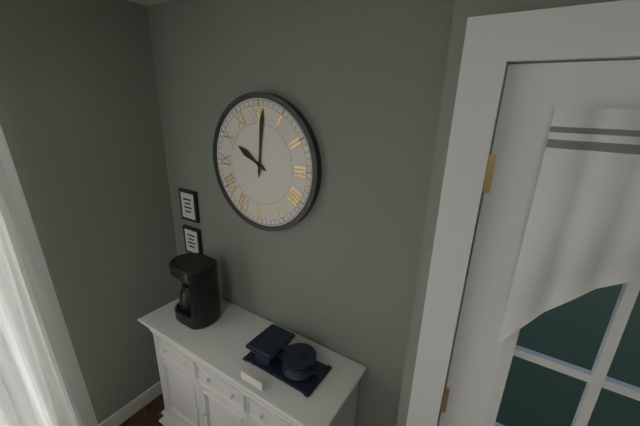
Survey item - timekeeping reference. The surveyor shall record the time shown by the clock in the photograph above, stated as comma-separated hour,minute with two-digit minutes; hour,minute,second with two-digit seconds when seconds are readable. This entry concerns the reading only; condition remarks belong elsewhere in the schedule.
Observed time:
10,01
